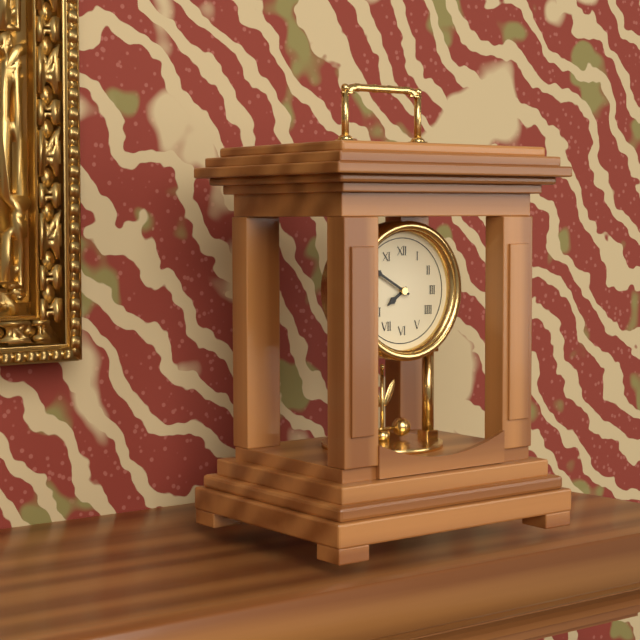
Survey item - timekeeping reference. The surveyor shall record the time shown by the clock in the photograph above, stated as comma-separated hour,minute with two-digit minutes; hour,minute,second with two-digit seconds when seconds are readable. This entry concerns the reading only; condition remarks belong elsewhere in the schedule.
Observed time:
7,50
